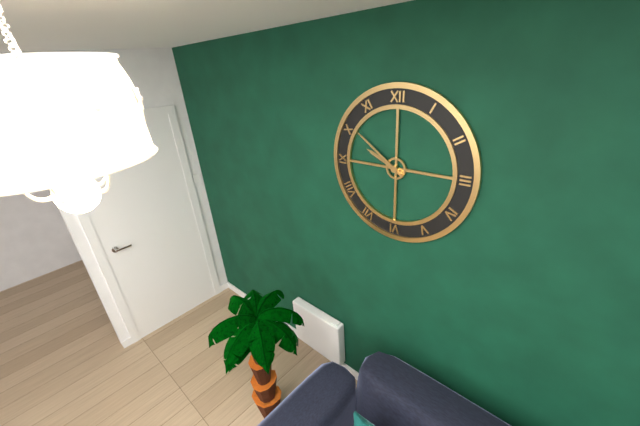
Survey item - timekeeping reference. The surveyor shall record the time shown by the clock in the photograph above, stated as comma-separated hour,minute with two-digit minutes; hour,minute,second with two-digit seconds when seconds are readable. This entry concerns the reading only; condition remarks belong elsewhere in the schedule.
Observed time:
9,51
